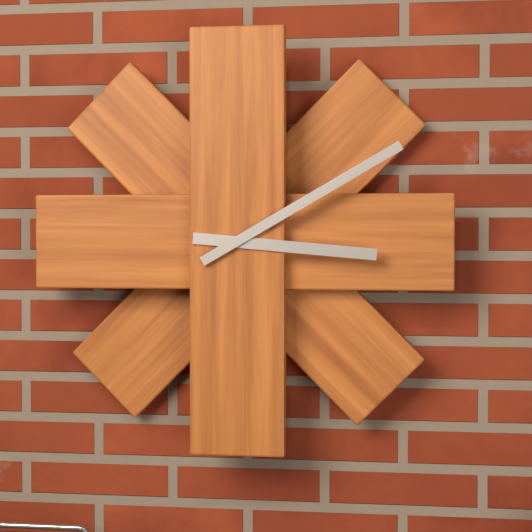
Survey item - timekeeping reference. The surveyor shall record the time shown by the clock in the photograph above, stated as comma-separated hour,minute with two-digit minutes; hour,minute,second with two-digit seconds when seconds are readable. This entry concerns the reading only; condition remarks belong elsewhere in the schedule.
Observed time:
3,10
